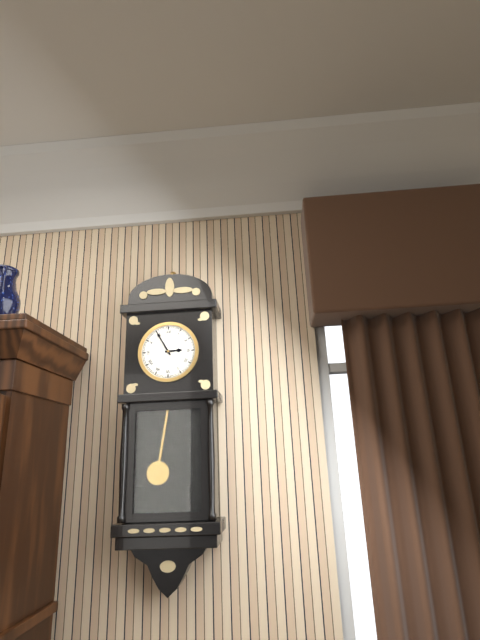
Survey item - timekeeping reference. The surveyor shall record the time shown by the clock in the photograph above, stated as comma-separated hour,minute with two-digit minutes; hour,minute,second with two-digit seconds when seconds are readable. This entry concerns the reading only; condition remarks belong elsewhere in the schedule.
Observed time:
2,55
